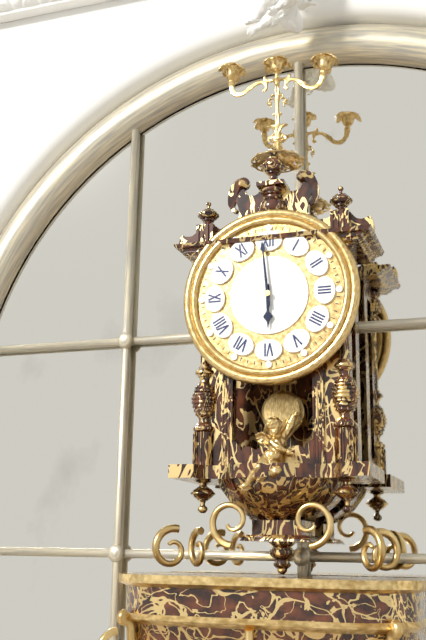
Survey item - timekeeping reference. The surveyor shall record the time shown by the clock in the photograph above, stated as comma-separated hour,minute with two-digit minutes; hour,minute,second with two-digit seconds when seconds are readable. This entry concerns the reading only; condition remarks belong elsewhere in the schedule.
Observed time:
5,59
